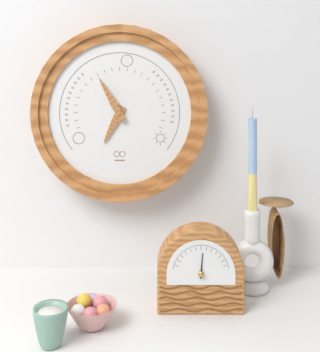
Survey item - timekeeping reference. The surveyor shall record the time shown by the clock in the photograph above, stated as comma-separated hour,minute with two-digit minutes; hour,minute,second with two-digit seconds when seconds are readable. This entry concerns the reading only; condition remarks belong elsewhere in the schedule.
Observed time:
6,55
